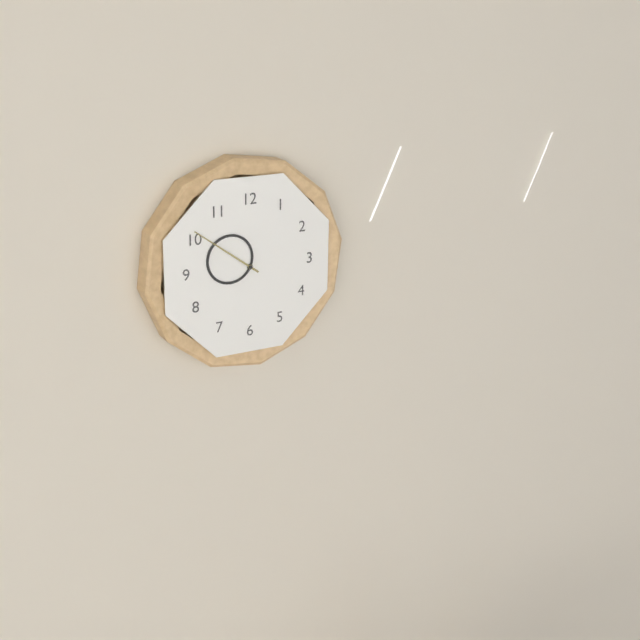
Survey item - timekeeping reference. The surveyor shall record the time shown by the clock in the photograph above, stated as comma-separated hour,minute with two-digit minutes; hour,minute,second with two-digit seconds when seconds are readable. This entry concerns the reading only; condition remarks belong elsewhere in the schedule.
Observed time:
9,51
